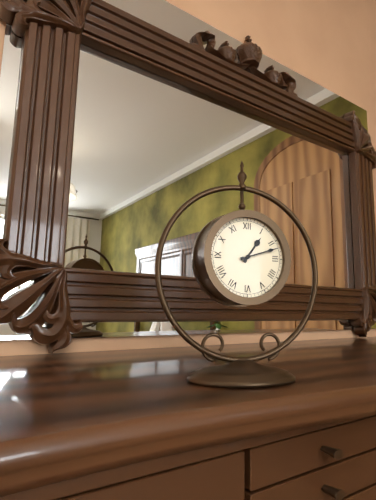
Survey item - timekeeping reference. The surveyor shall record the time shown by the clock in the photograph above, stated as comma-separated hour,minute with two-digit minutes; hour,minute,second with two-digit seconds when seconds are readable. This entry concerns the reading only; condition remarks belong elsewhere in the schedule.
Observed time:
1,12
